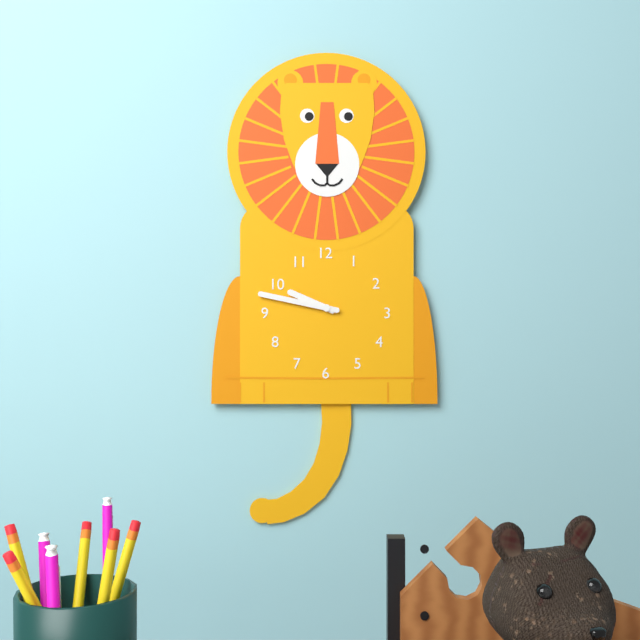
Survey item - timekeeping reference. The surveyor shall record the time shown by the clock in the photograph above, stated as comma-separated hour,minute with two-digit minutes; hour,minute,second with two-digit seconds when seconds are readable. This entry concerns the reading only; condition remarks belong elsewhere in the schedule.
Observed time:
9,47
